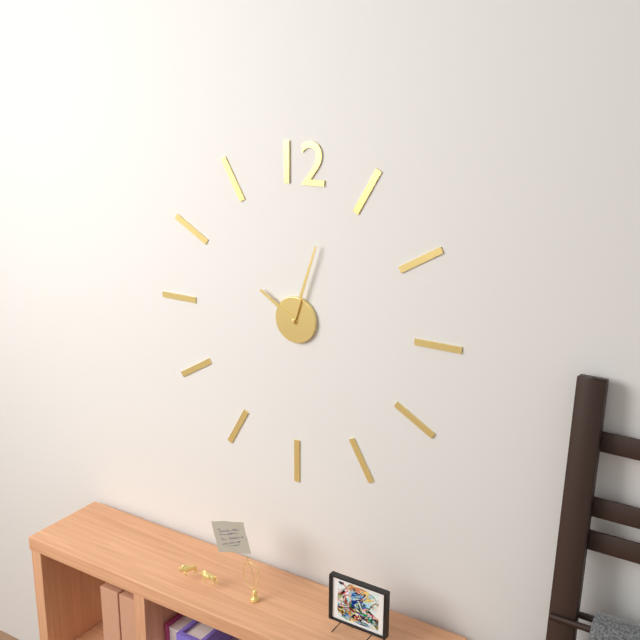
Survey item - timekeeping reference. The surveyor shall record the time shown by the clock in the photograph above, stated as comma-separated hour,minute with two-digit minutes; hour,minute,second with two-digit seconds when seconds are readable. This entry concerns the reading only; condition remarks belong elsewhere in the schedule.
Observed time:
10,03
